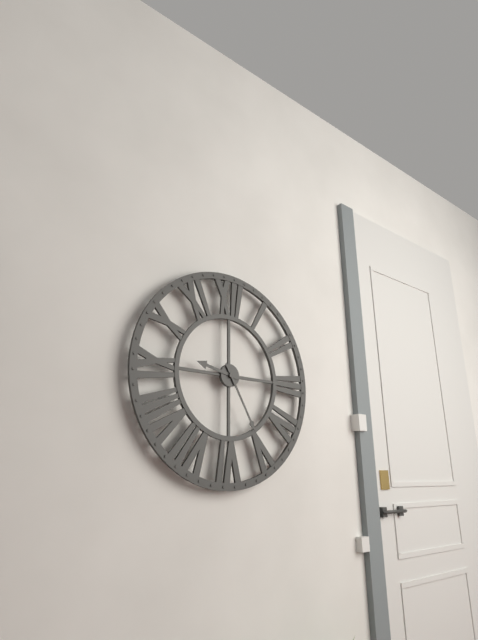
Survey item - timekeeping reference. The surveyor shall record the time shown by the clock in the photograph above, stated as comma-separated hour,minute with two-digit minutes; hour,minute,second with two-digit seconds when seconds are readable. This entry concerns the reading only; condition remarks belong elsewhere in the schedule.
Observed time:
9,25
